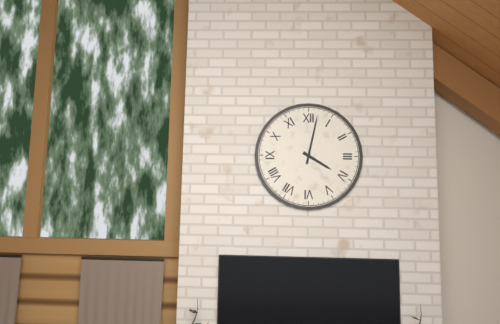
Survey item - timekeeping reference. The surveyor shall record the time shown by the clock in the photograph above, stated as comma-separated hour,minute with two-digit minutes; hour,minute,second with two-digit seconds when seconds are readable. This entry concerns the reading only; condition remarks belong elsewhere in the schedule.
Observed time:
4,02
